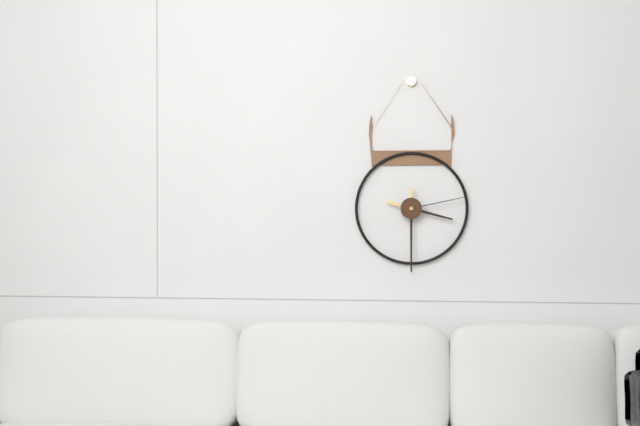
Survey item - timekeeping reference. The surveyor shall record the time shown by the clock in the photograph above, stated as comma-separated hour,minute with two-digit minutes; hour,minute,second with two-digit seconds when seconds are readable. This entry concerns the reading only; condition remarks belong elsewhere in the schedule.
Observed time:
3,30,13
